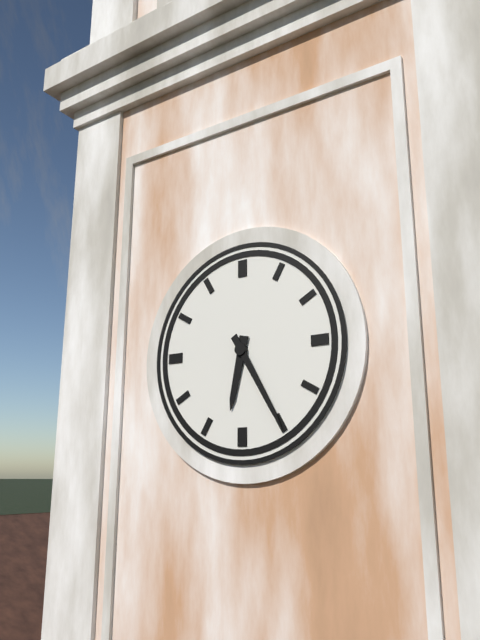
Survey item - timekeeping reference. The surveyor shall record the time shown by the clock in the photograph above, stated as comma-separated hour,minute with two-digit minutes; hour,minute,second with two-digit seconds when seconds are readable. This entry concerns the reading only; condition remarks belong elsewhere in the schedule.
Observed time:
6,25
